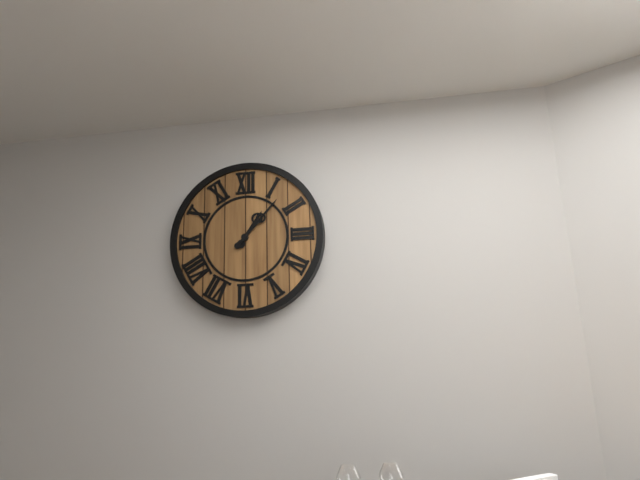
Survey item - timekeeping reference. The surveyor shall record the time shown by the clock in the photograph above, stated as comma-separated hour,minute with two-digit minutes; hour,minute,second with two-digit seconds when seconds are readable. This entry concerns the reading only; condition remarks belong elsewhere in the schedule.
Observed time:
1,07
